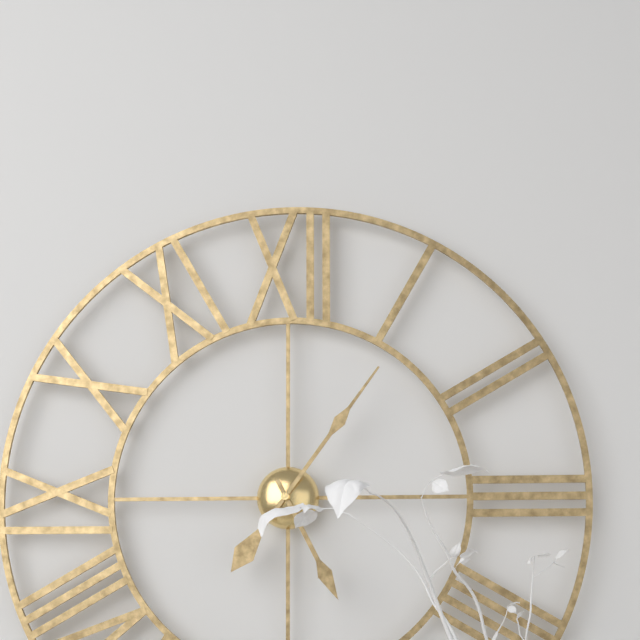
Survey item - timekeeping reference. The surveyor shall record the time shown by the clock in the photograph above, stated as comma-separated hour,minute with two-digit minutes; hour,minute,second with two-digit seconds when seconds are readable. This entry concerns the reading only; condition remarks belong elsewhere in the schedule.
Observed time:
5,06
